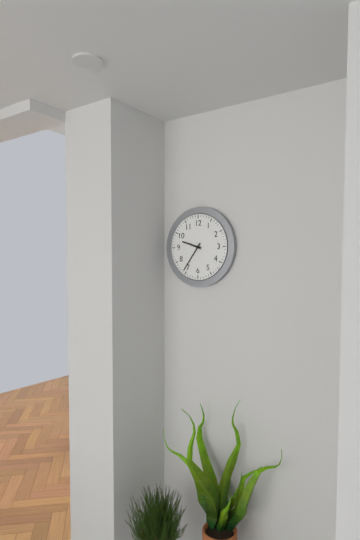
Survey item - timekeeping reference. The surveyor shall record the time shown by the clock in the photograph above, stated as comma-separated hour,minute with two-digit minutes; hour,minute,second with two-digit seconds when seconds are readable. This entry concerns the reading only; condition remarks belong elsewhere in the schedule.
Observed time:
9,36
